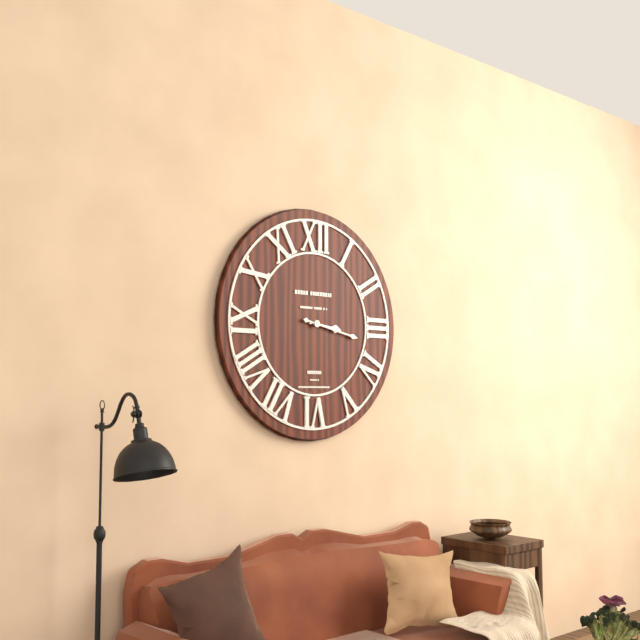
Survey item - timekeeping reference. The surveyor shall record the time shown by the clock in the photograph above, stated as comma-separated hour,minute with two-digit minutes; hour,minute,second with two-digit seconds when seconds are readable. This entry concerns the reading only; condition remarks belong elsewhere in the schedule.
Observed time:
3,17
